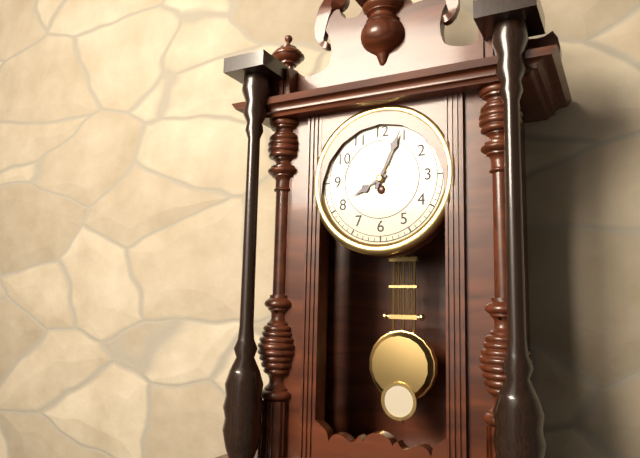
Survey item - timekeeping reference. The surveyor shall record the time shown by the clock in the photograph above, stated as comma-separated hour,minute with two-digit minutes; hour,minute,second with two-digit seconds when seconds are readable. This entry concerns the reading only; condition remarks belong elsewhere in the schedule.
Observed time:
8,04
